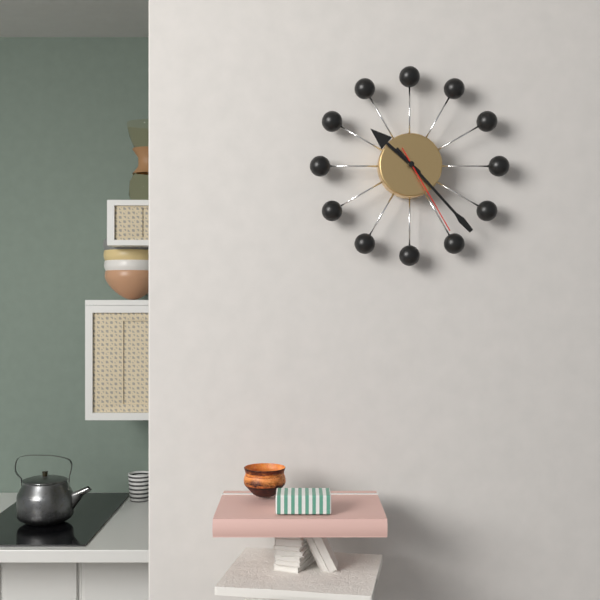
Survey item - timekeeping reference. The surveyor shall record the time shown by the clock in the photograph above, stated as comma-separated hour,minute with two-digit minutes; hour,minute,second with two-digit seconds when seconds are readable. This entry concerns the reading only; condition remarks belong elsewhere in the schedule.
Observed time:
10,23,25
